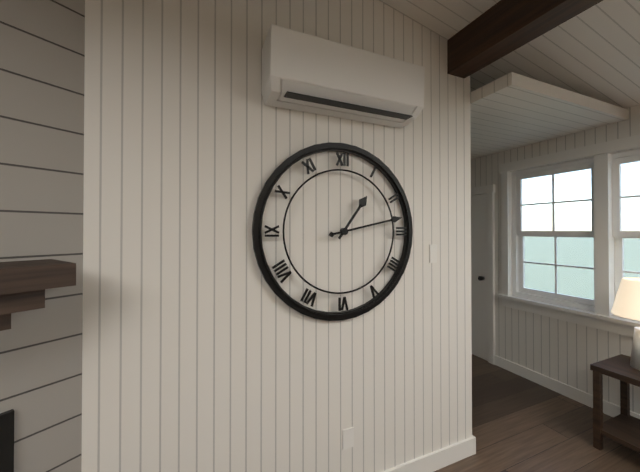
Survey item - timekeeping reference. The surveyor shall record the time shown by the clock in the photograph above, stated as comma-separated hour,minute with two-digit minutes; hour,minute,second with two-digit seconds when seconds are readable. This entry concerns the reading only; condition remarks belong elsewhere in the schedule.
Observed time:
1,13
